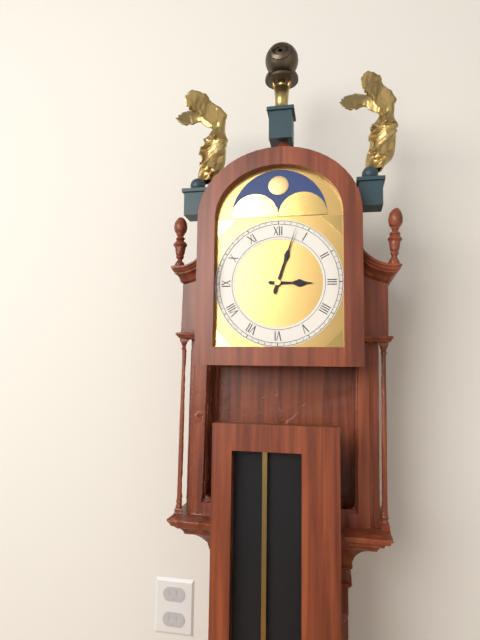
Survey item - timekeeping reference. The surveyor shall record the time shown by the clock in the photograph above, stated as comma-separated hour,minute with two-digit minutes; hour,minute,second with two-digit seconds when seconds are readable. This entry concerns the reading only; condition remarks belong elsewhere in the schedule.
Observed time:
3,03
